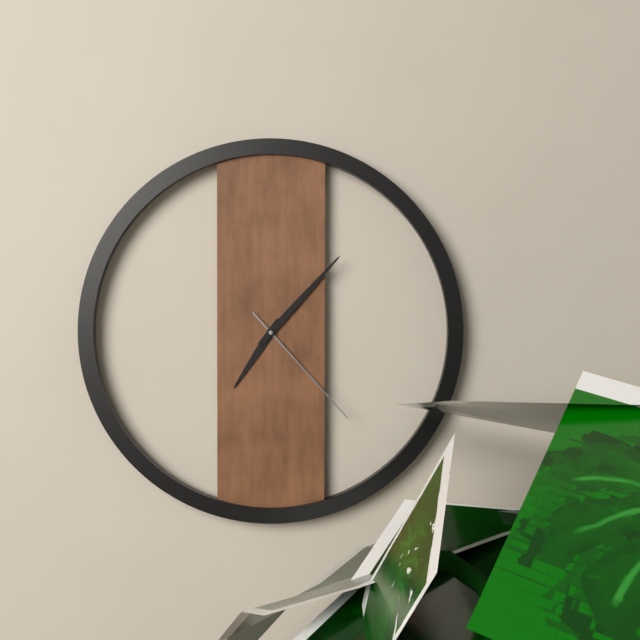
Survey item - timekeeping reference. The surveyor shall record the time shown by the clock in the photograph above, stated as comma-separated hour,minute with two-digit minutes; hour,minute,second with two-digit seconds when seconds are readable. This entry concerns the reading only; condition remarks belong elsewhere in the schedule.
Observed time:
7,07,23
